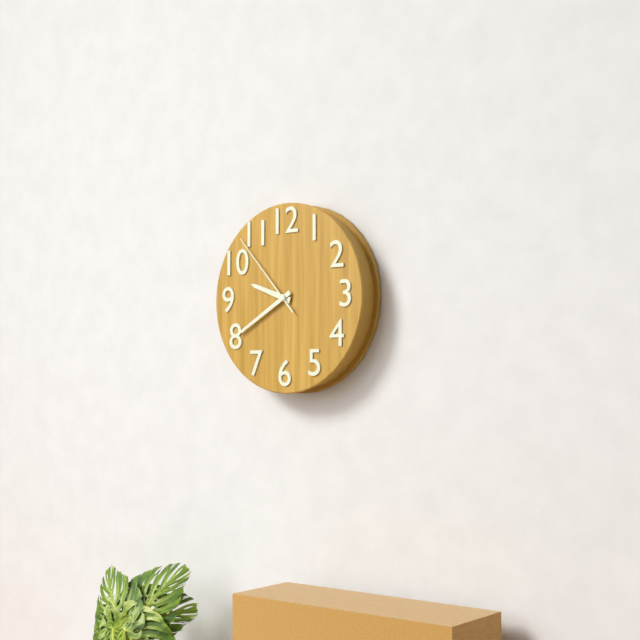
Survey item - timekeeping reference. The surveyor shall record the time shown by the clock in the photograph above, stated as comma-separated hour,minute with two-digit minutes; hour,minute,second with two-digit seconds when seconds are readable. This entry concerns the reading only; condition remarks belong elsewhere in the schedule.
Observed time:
9,40,53
